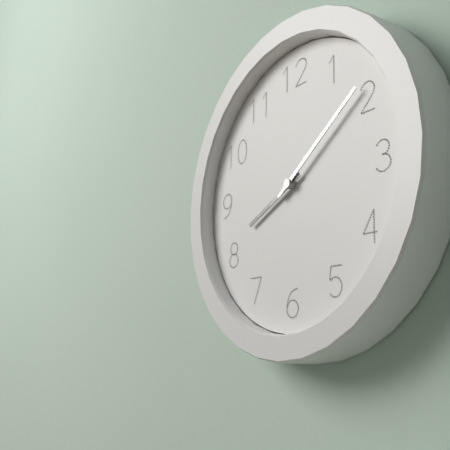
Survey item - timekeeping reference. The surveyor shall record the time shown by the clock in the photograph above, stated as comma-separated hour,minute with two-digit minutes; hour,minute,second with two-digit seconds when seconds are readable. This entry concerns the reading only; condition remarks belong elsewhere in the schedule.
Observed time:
8,09
